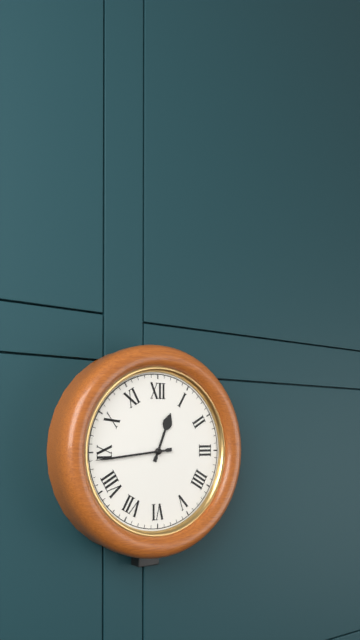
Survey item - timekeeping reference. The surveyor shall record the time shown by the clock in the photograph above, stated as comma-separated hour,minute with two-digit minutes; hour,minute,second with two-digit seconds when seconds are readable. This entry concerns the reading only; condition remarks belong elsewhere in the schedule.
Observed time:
12,44
